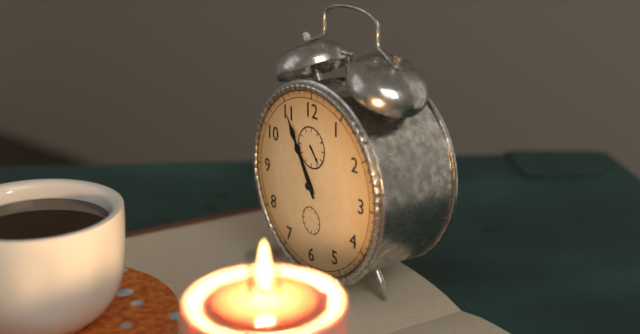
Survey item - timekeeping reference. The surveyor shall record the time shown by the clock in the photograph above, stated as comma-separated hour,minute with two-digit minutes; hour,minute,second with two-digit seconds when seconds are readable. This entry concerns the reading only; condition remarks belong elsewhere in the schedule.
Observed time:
10,55
